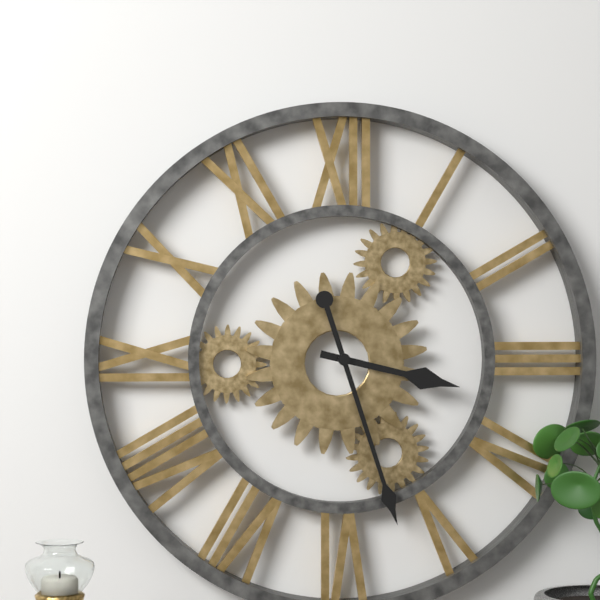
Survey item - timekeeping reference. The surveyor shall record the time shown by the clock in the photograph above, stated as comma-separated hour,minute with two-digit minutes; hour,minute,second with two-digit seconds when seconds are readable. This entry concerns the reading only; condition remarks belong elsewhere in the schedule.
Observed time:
3,27
